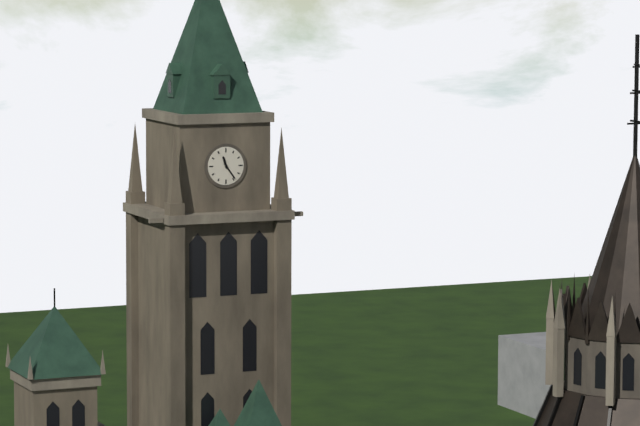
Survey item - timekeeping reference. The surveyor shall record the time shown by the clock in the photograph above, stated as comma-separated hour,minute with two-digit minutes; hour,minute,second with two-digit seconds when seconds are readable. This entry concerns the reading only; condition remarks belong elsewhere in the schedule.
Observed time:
11,24
